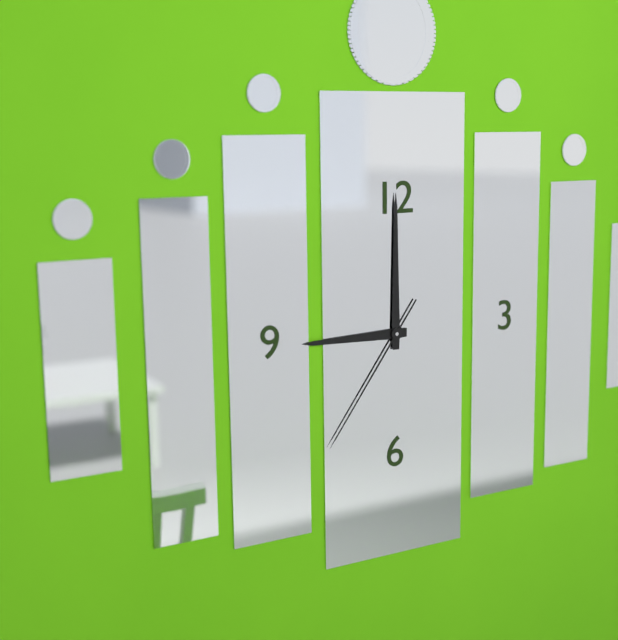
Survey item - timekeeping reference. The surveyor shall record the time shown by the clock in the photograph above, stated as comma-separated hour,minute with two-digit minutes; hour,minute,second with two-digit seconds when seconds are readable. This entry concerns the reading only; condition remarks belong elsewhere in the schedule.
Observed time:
9,00,36
